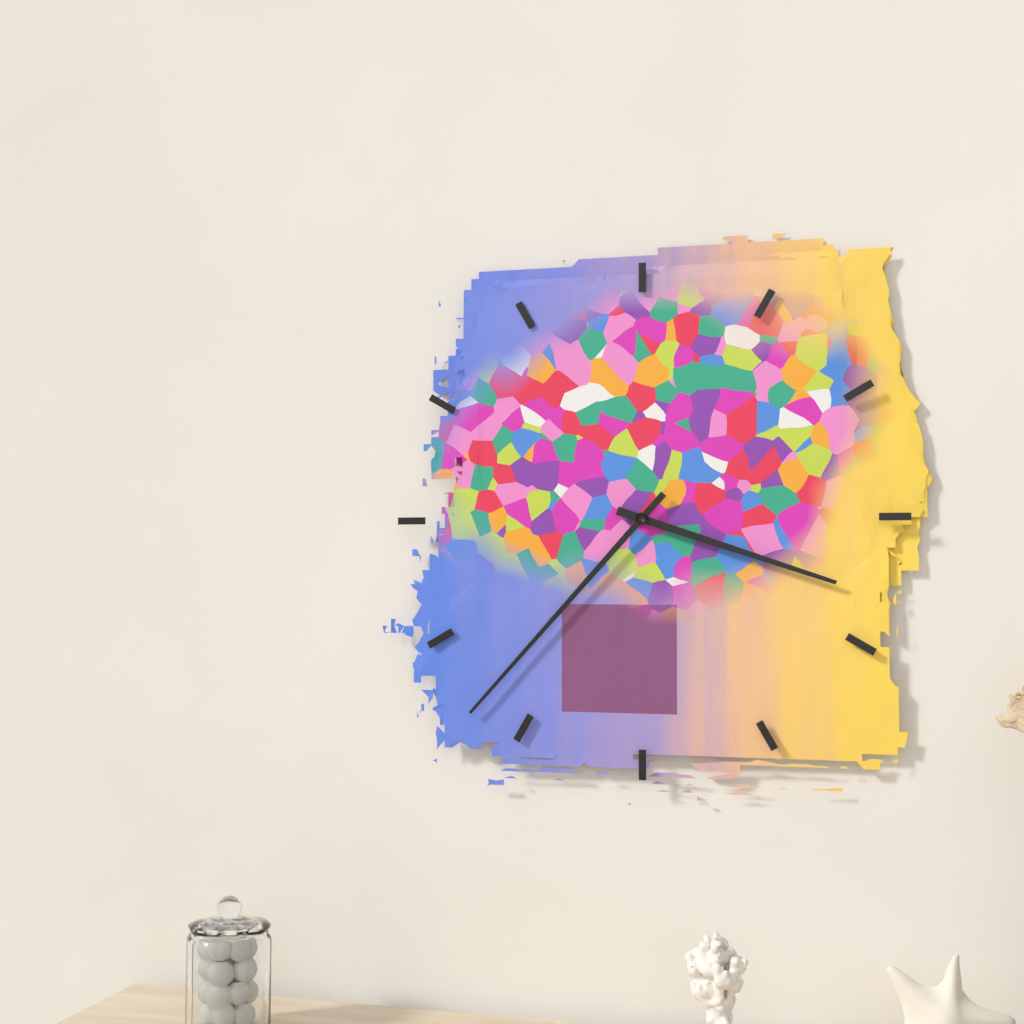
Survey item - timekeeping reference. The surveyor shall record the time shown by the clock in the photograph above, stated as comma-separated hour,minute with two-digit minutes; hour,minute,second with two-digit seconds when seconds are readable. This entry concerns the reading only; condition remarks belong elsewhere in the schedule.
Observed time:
3,37
